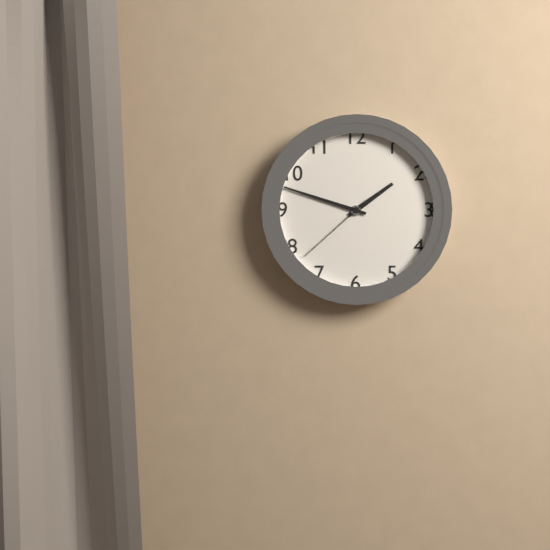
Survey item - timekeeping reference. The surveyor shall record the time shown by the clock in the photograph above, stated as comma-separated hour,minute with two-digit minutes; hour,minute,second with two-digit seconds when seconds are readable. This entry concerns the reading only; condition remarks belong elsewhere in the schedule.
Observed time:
1,48,38
